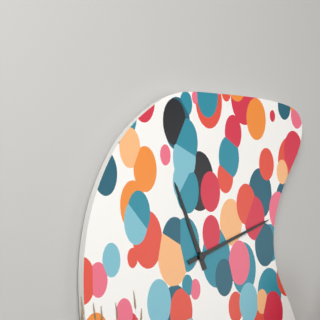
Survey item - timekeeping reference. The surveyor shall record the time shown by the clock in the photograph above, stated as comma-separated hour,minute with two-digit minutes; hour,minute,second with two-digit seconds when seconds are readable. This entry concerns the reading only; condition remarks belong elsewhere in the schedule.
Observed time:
11,11
